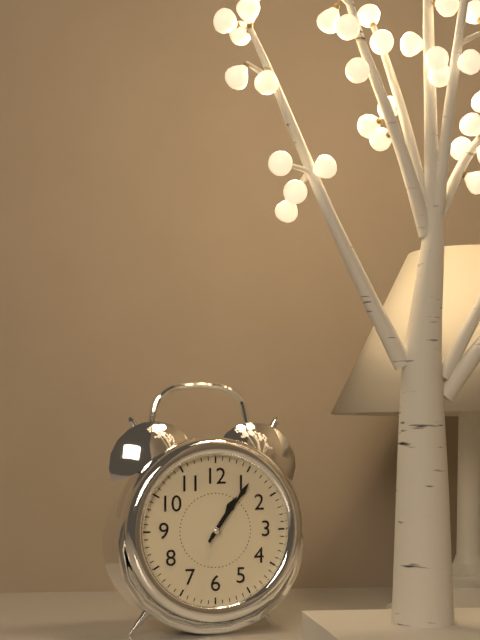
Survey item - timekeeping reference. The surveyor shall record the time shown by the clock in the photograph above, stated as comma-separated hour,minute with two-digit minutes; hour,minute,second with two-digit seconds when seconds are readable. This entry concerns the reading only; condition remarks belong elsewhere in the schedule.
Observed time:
1,06
